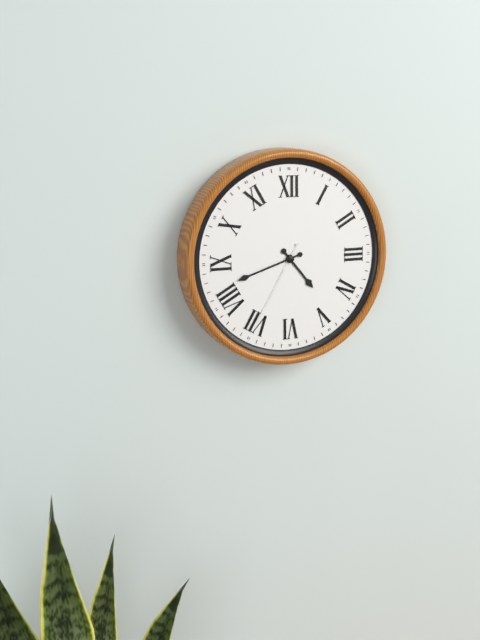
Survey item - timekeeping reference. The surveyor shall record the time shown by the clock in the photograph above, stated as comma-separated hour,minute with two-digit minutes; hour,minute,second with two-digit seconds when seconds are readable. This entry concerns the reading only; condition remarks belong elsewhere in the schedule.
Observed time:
4,42,35
